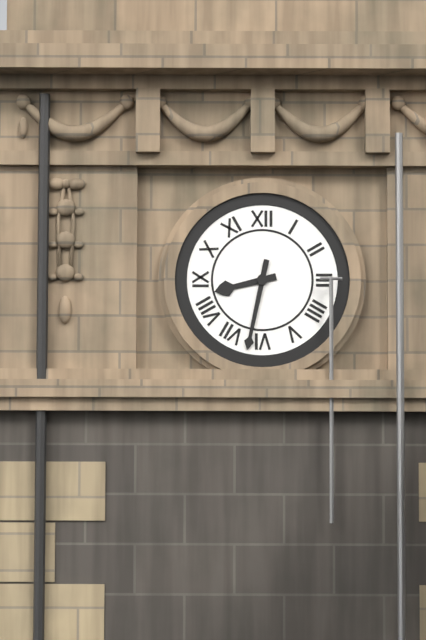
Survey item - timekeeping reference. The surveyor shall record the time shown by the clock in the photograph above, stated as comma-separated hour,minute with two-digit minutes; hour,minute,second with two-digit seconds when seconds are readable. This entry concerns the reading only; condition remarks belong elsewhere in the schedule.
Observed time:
8,32
